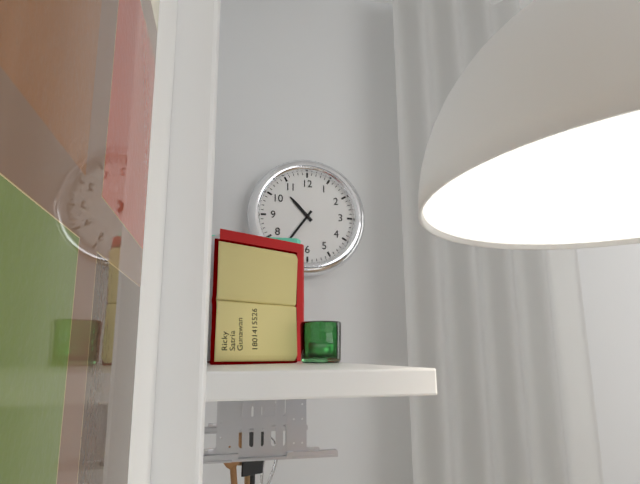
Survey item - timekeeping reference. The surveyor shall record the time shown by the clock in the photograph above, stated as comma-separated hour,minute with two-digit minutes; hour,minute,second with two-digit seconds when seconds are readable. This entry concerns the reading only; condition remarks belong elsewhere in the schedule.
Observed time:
10,36
